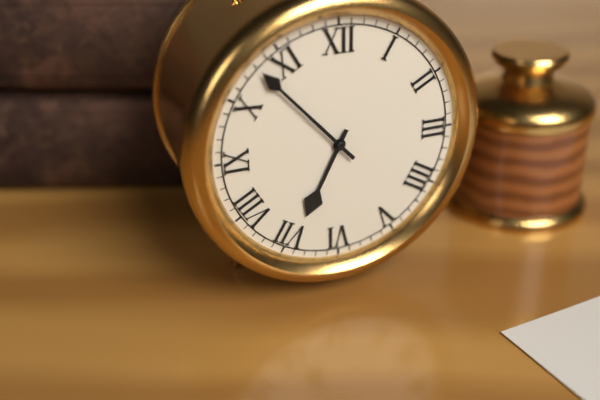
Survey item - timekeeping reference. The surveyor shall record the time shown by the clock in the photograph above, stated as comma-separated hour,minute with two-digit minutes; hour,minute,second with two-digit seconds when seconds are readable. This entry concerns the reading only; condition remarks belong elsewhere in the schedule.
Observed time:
6,53
